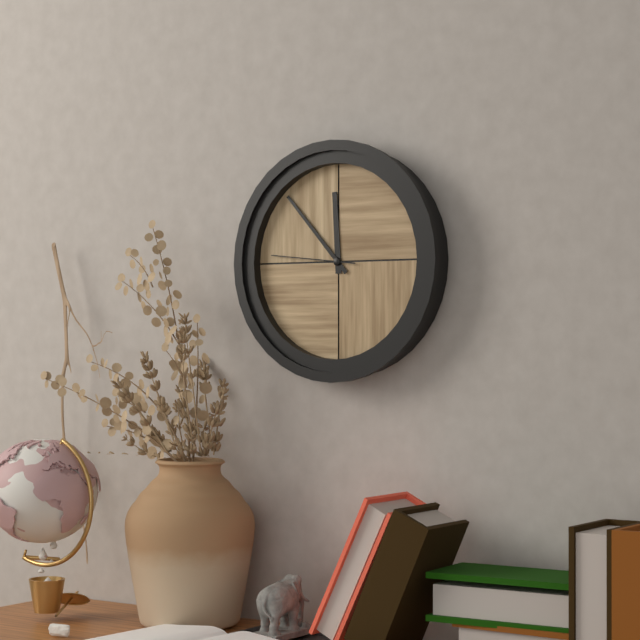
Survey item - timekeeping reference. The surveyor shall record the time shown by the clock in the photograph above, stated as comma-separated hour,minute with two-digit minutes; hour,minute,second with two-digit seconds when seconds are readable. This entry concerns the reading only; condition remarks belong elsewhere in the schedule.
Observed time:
11,53,46
